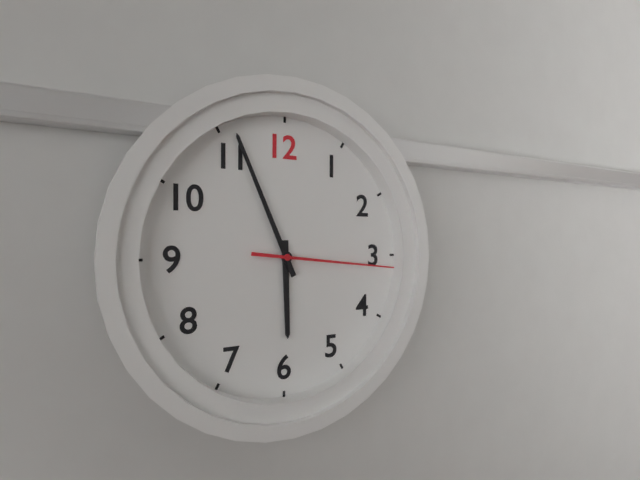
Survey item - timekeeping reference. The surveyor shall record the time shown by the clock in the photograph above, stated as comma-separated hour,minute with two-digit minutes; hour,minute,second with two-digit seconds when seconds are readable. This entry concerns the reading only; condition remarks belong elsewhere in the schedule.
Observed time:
5,56,16
